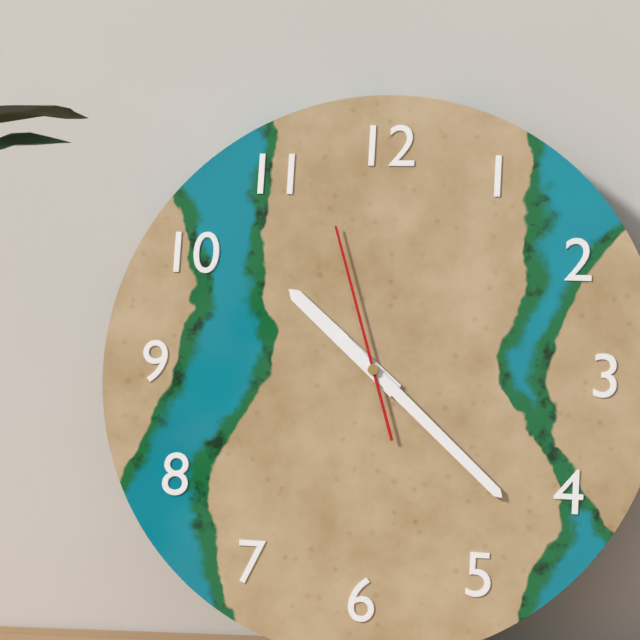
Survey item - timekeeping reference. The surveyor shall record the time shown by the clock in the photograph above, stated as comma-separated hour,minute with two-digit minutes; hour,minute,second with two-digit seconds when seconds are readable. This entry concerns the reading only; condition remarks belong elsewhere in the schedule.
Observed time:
10,22,57
